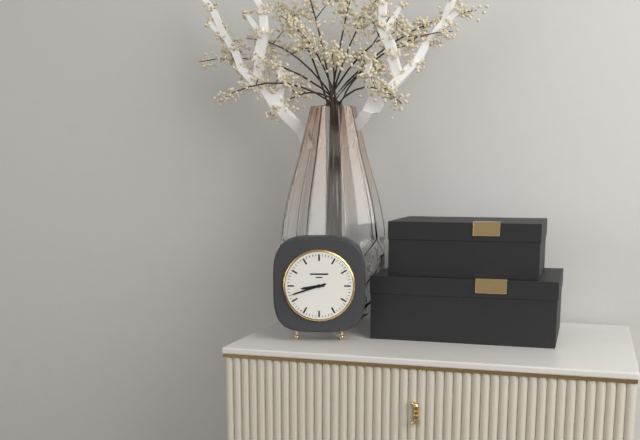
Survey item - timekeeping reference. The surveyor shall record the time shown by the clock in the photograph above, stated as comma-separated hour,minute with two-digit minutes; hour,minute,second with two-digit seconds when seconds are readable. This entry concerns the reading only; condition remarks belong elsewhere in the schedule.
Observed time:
8,42
